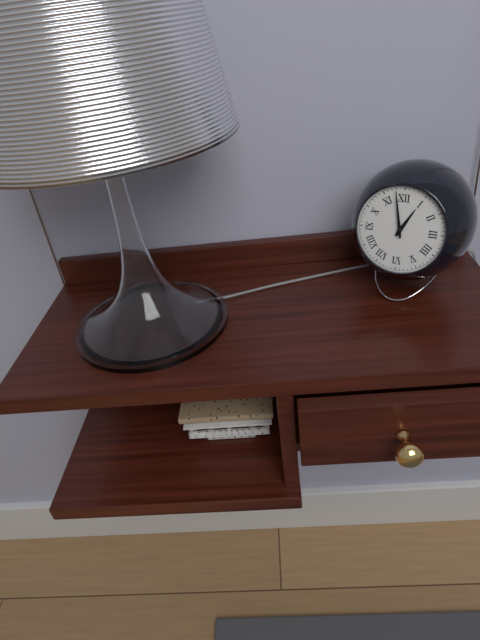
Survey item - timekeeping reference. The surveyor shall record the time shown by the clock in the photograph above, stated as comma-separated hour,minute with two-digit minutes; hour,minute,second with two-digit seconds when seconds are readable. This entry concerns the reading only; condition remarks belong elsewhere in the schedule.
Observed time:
12,58
